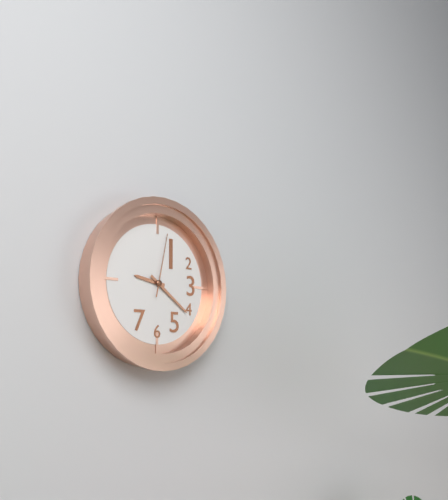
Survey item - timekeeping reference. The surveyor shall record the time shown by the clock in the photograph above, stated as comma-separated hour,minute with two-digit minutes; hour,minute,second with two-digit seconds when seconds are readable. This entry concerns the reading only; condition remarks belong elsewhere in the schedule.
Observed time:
9,21,02
